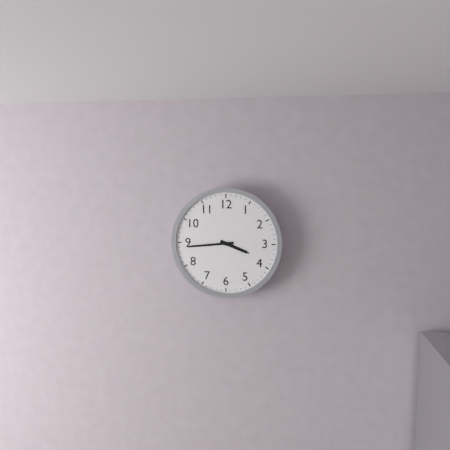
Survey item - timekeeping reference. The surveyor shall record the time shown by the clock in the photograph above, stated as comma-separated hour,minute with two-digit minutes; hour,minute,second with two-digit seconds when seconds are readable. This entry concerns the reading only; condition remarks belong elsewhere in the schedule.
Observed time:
3,44
